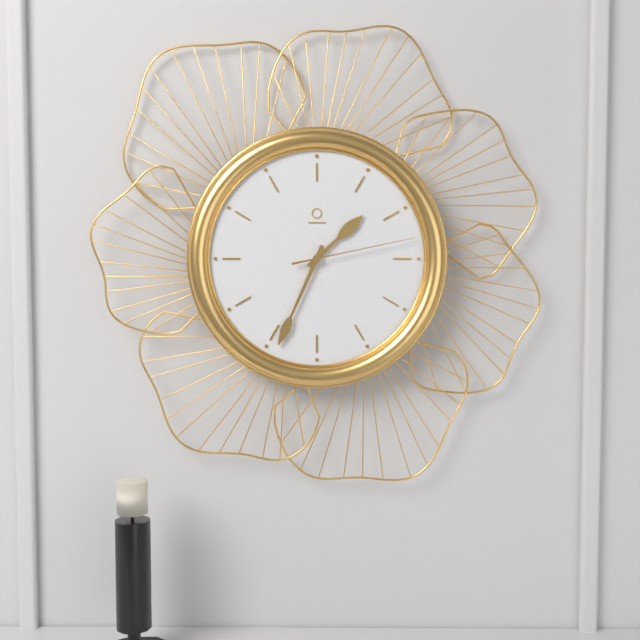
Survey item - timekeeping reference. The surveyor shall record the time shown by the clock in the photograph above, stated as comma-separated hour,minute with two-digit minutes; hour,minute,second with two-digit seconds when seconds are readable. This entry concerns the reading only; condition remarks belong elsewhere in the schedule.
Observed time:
1,34,13
